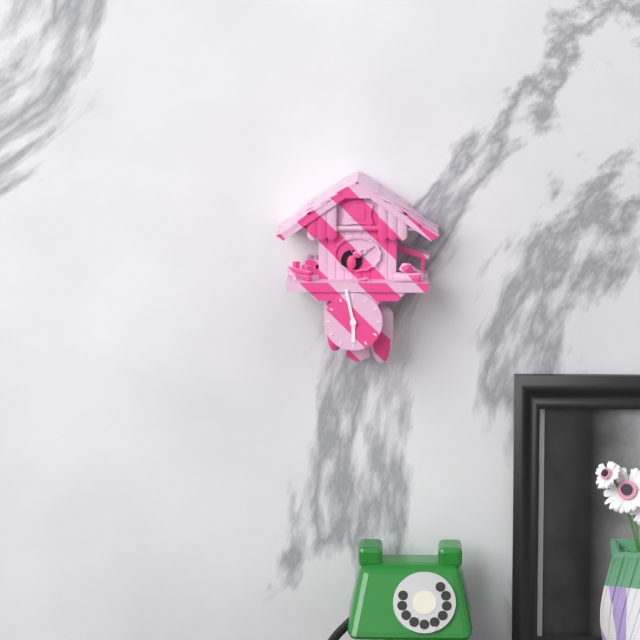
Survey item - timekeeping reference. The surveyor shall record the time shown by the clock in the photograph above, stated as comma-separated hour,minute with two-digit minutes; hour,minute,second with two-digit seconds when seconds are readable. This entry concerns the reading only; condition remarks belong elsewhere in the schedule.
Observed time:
5,58
